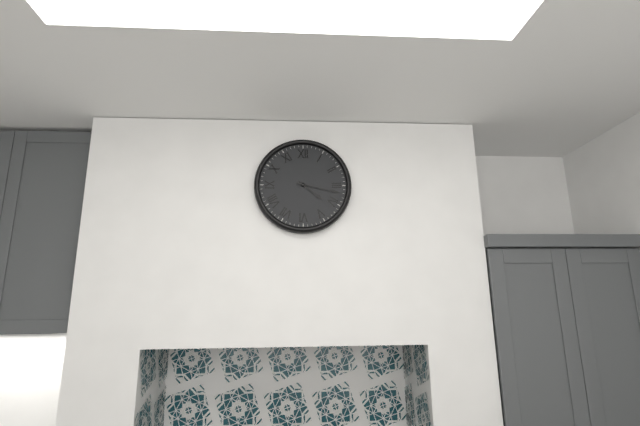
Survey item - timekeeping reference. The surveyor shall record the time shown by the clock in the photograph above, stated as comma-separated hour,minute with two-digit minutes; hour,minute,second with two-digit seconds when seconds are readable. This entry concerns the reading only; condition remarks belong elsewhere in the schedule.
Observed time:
4,17
